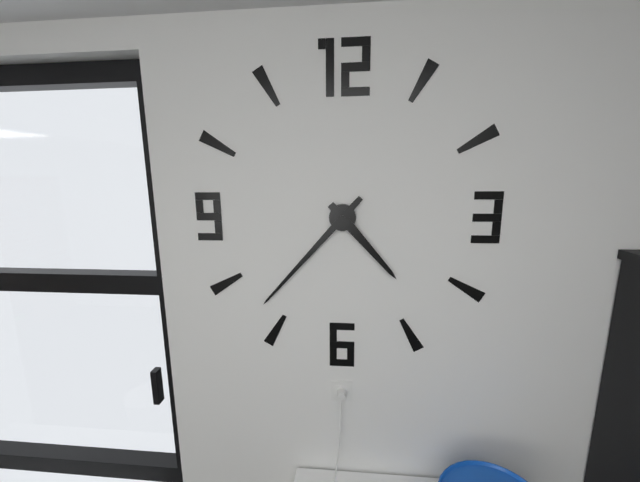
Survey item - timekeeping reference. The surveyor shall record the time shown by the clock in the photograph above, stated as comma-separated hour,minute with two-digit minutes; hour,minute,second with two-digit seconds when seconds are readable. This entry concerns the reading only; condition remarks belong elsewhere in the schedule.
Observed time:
4,37
